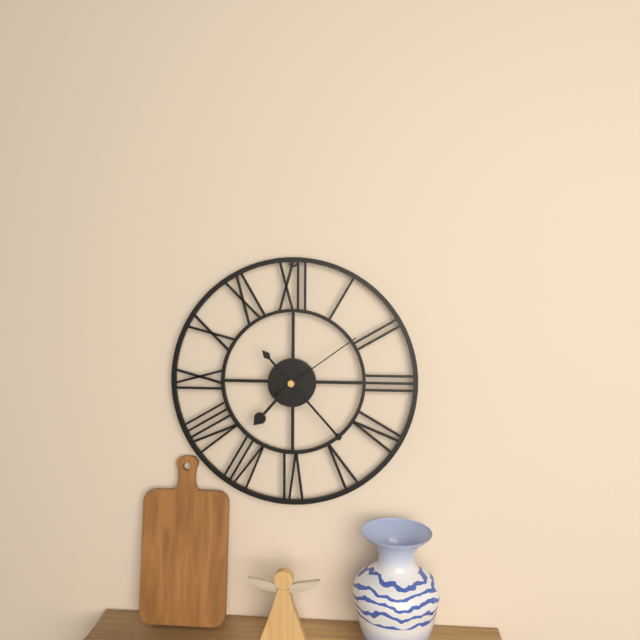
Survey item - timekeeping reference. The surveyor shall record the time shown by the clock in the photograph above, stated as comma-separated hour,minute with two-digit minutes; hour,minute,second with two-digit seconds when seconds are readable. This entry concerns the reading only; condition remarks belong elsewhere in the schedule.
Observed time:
7,23,09
